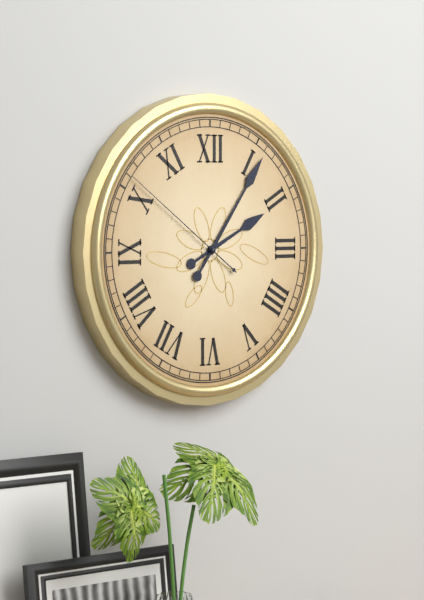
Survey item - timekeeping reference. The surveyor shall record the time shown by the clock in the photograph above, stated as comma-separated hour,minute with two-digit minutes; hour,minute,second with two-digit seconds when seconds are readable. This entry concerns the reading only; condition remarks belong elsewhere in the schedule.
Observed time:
2,06,51
